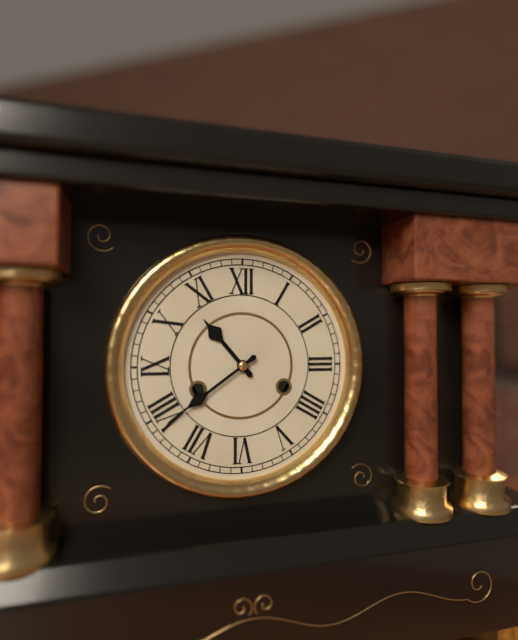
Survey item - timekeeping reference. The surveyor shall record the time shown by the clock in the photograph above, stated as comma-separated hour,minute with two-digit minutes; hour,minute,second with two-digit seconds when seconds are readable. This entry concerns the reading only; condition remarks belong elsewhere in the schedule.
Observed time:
10,39
